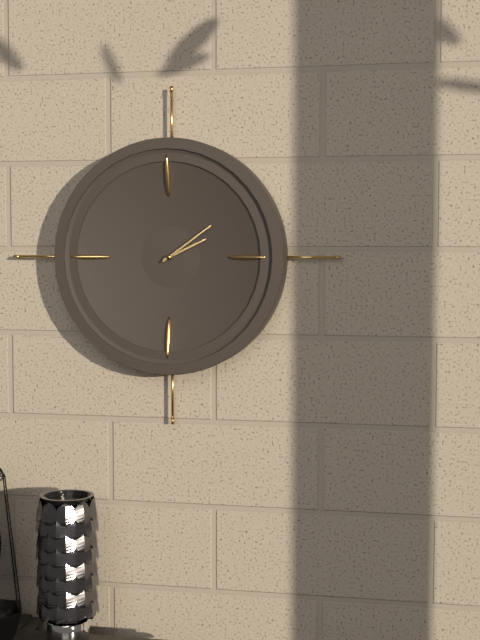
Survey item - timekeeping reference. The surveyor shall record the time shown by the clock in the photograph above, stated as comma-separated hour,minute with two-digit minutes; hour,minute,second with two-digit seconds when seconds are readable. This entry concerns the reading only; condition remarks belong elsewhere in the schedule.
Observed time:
2,09
